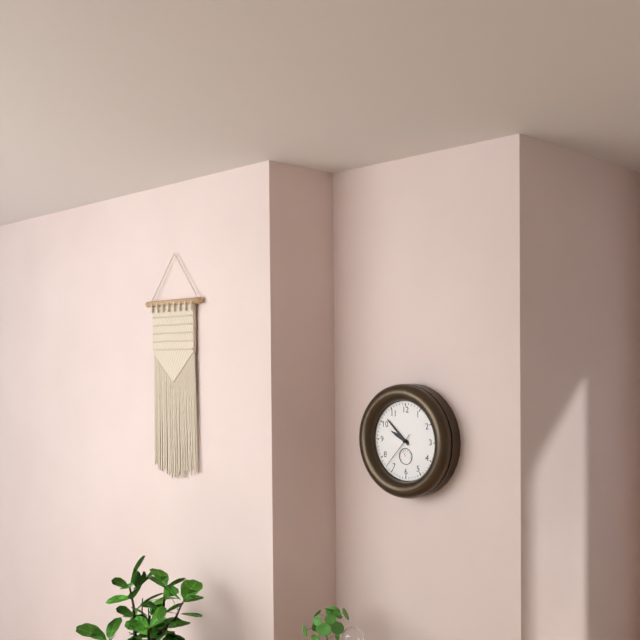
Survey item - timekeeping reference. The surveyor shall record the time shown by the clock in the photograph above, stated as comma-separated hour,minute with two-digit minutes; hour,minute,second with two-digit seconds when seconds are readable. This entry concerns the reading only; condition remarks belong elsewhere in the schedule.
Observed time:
9,52
